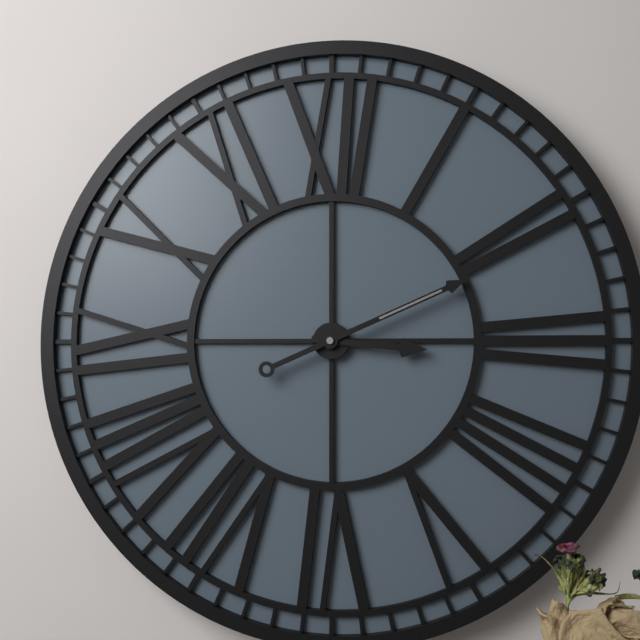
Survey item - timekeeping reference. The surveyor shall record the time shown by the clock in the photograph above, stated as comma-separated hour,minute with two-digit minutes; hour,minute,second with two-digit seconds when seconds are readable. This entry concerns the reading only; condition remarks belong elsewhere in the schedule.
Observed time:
3,11
